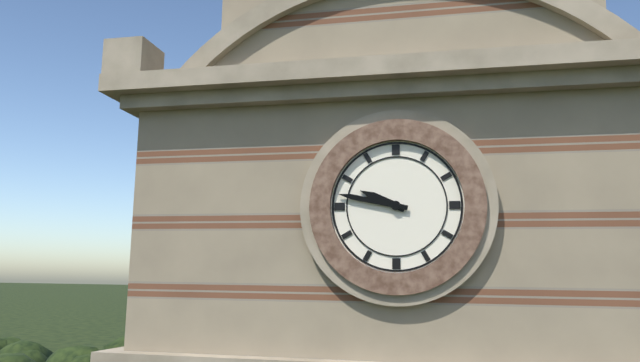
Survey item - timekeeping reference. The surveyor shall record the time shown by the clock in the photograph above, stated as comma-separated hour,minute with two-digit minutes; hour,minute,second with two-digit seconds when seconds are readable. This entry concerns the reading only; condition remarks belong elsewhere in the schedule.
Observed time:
9,47
